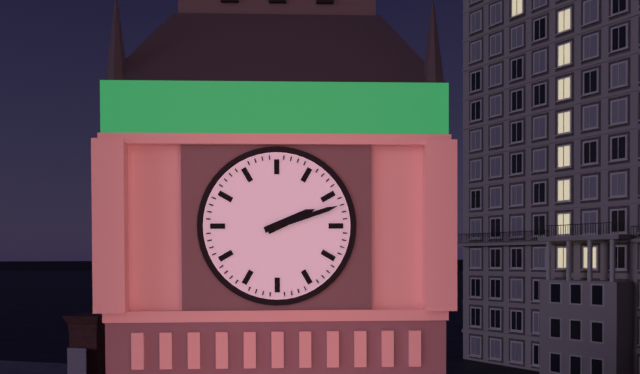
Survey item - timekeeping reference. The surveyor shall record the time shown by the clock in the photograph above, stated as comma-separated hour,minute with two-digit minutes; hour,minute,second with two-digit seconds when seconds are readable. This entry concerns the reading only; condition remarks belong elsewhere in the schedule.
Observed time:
2,12
